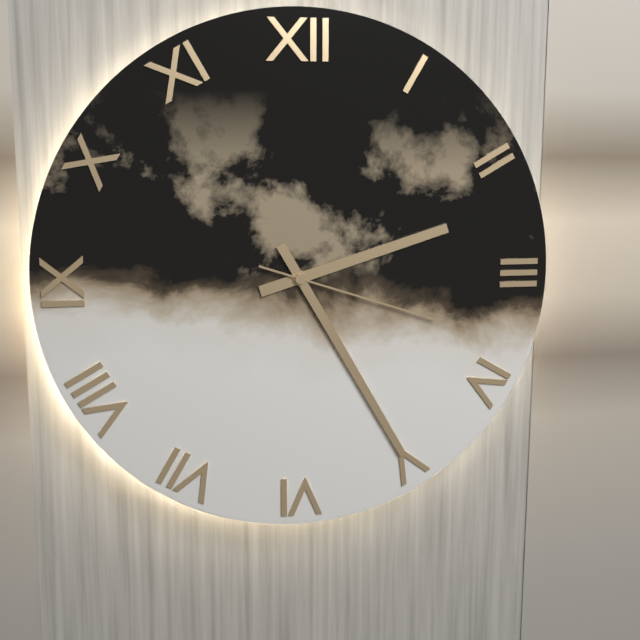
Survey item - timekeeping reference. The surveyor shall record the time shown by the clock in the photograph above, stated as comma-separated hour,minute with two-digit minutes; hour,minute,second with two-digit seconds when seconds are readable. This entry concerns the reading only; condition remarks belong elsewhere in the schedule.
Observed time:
2,25,18
